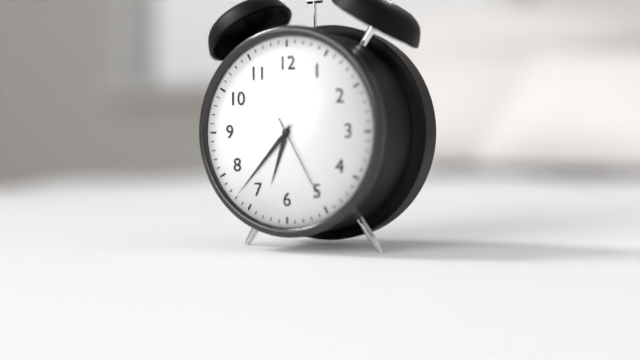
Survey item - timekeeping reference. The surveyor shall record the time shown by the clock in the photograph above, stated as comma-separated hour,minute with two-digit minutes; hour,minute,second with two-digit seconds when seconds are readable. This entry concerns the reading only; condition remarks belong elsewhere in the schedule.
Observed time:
6,37,25
